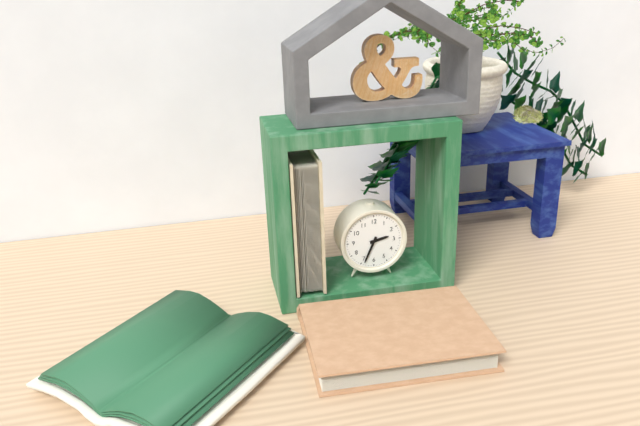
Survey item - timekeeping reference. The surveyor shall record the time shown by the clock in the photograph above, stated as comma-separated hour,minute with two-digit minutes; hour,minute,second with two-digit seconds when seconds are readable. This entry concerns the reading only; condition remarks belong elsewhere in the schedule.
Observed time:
2,34
